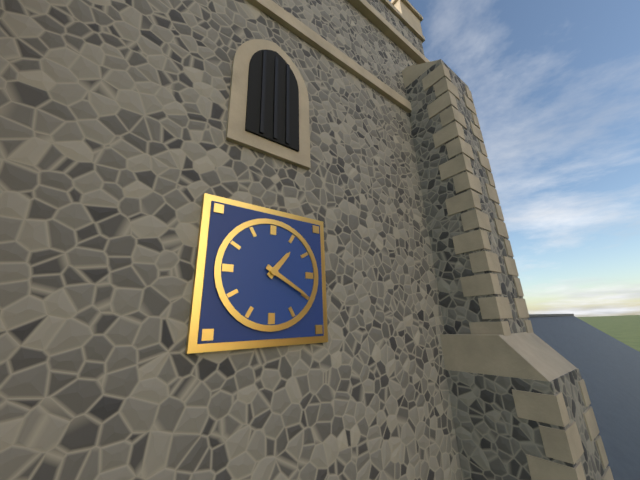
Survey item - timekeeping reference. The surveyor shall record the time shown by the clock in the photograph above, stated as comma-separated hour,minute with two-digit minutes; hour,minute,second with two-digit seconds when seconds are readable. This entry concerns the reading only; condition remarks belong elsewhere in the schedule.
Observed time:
1,20
